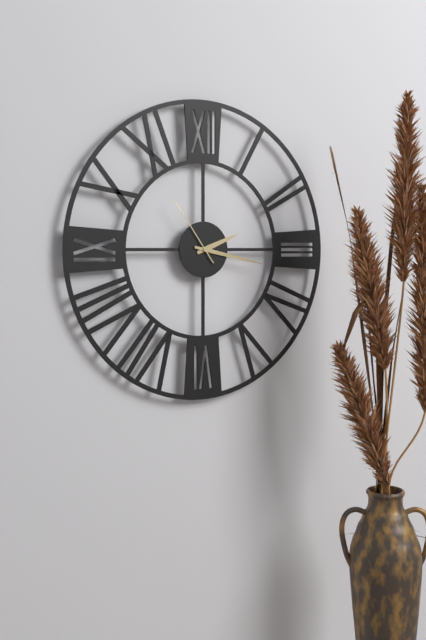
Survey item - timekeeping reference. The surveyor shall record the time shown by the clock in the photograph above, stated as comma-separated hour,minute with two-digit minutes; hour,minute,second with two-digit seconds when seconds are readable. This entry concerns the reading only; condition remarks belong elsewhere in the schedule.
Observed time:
2,17,54
